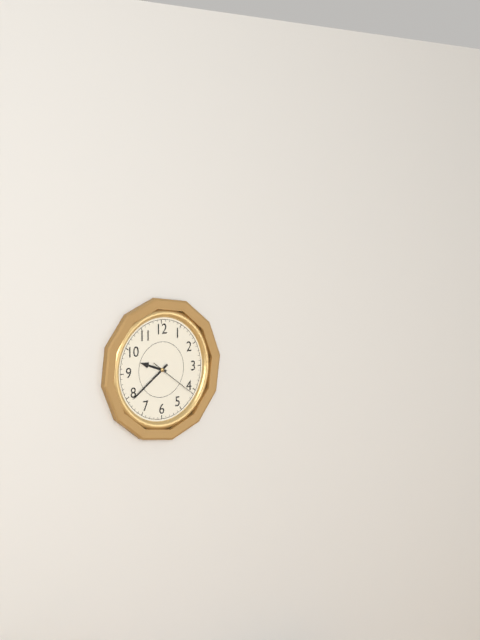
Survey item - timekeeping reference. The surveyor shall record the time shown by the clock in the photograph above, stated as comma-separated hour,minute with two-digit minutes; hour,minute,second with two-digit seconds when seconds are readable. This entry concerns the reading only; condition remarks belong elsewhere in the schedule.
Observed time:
9,39
